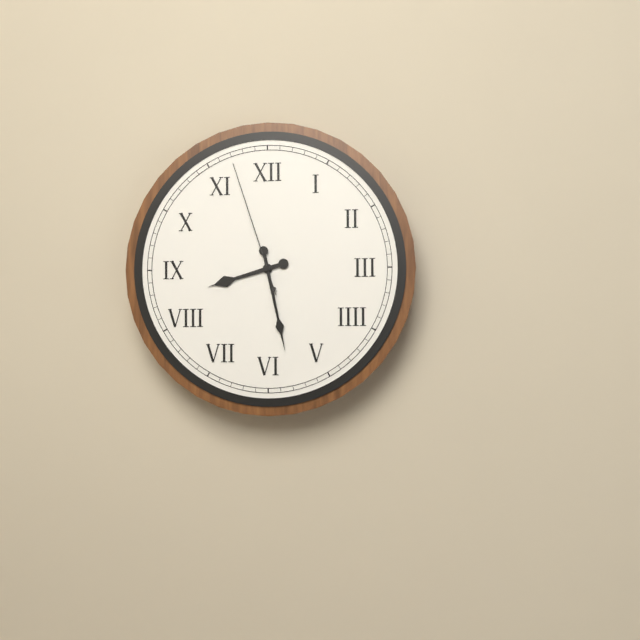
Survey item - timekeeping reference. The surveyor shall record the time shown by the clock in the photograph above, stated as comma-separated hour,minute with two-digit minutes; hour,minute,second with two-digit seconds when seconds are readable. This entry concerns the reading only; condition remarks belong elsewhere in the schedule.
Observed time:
8,28,57
